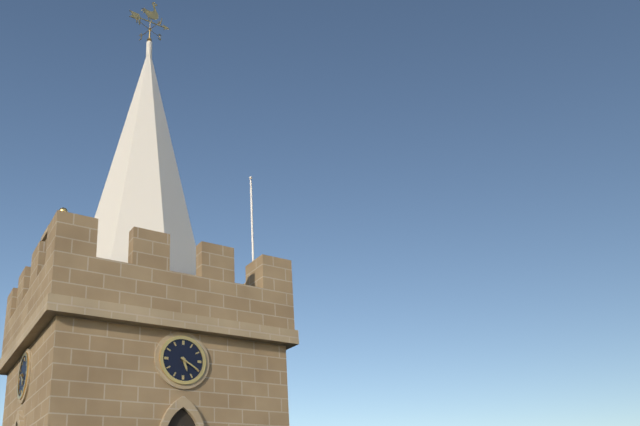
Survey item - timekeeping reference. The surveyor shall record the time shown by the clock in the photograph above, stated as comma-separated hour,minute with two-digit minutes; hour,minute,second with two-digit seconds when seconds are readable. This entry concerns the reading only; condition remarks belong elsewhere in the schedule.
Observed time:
5,20
